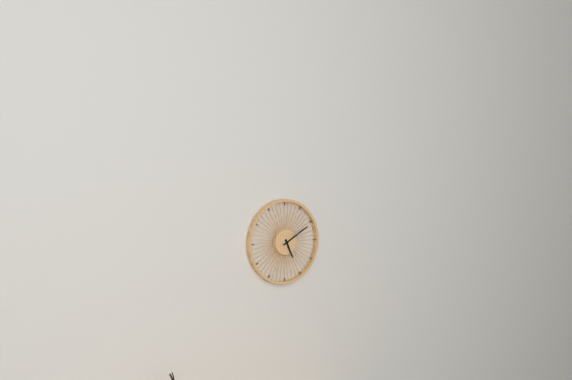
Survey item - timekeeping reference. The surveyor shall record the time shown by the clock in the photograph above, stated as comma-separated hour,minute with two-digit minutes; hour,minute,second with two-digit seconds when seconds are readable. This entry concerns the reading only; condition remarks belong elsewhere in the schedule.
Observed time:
5,10
